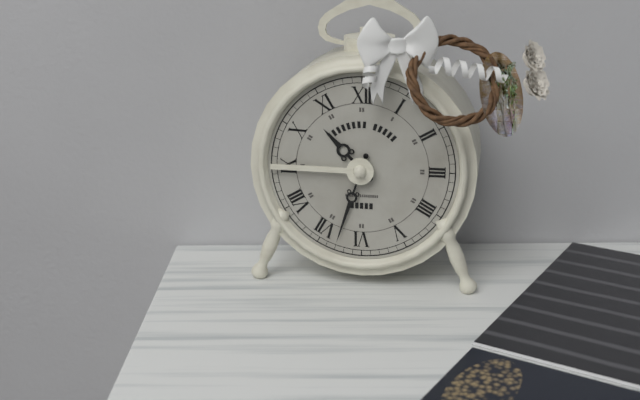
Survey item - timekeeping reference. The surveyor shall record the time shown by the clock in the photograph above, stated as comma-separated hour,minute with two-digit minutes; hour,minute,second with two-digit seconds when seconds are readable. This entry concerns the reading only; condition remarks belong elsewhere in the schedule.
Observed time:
10,33
